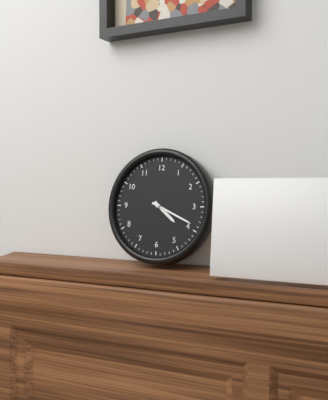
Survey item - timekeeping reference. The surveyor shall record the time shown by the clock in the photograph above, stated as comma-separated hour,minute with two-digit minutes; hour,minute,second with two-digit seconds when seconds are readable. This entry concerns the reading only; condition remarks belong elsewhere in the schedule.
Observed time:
4,19
